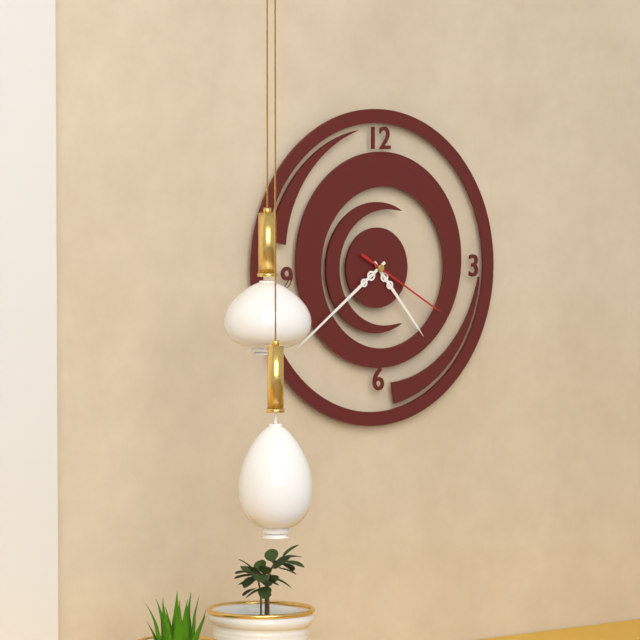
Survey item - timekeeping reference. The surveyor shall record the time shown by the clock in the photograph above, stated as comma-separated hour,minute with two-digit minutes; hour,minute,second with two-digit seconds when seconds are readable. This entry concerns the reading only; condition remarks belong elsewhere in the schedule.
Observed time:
4,39,20
